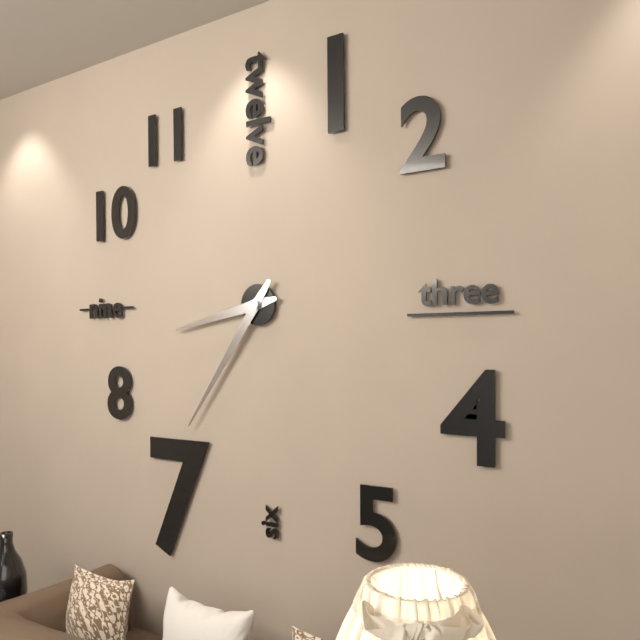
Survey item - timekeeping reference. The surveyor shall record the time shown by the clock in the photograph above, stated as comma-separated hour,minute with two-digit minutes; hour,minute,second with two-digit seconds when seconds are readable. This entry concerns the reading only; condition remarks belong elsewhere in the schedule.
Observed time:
8,36
